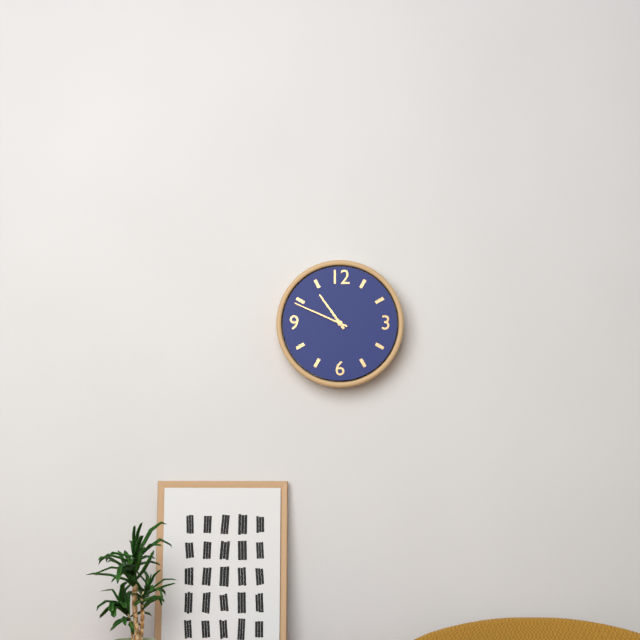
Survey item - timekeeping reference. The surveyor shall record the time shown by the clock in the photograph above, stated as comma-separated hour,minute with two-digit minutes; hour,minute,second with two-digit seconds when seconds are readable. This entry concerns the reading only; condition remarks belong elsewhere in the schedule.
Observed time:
10,49
